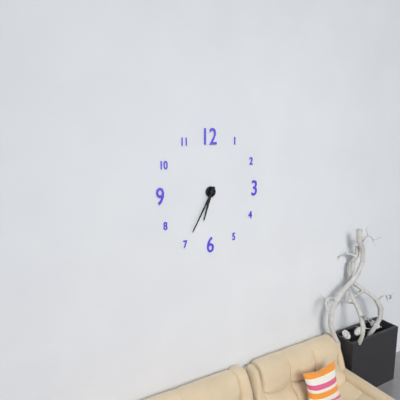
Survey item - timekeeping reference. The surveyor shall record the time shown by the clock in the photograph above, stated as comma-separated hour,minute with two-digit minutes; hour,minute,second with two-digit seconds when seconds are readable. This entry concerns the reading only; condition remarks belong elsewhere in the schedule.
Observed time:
6,35
